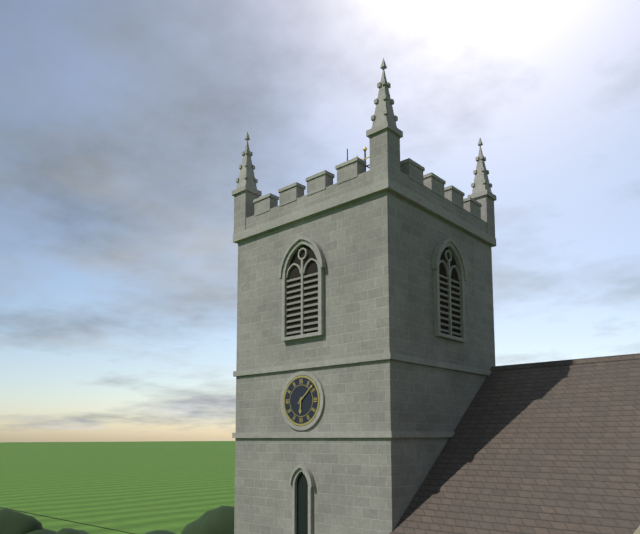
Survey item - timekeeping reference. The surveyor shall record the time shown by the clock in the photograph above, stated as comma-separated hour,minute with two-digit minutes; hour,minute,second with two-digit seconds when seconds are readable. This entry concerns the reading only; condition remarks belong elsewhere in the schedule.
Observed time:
6,08
